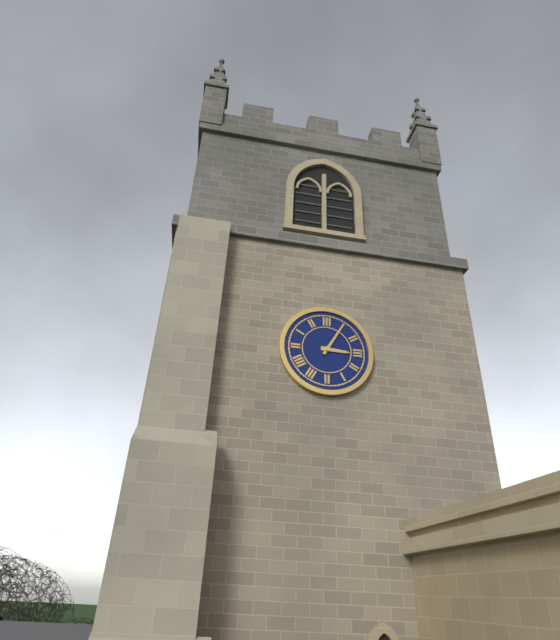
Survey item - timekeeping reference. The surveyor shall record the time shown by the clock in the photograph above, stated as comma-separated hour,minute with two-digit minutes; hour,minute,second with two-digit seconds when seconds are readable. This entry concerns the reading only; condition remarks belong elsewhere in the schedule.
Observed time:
3,05
